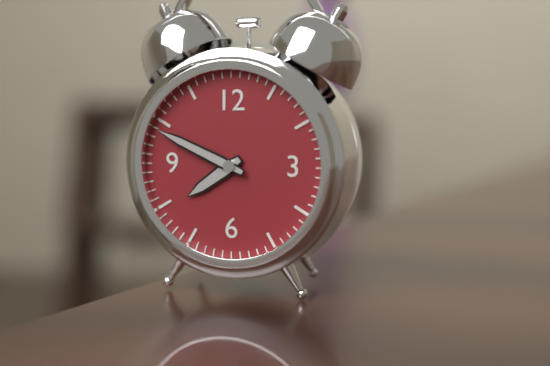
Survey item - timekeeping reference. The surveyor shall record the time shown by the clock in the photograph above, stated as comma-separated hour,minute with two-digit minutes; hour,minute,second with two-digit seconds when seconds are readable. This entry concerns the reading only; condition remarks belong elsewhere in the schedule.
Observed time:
7,49
